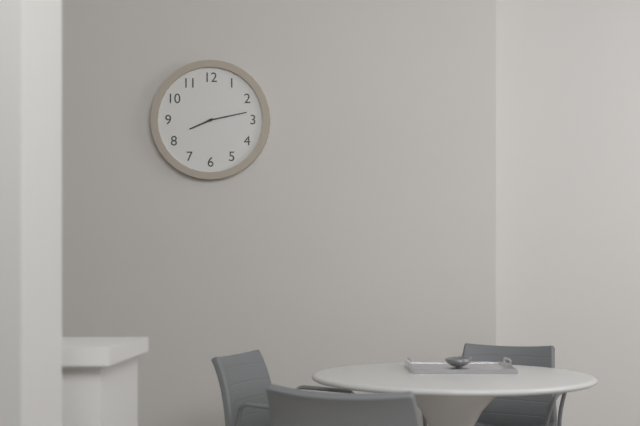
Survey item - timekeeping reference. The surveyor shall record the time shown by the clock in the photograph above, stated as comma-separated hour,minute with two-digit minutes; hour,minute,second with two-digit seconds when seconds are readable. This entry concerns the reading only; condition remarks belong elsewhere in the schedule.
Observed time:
8,13
